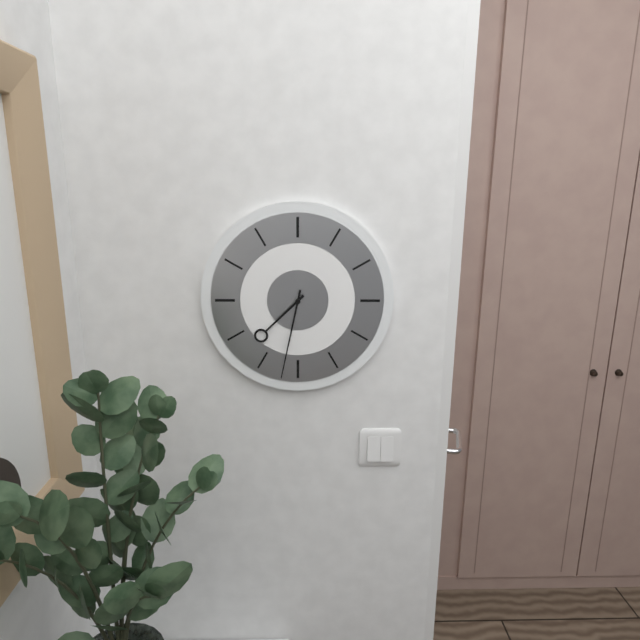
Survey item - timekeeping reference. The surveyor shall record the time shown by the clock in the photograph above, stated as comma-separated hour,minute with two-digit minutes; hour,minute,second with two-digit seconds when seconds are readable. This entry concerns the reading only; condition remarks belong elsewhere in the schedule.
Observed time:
7,32
